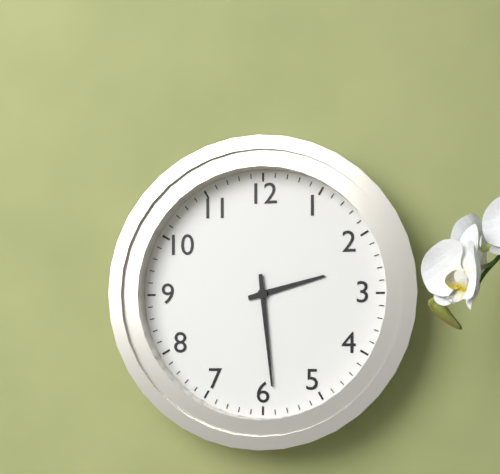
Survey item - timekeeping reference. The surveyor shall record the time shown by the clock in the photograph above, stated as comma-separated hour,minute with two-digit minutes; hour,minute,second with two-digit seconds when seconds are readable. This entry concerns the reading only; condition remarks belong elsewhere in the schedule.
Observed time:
2,29
